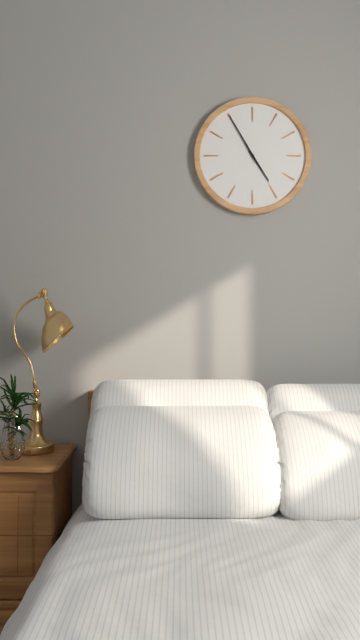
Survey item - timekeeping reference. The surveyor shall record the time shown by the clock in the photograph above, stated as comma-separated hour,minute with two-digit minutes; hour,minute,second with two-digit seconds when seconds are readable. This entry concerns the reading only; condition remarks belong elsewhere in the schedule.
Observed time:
4,55
